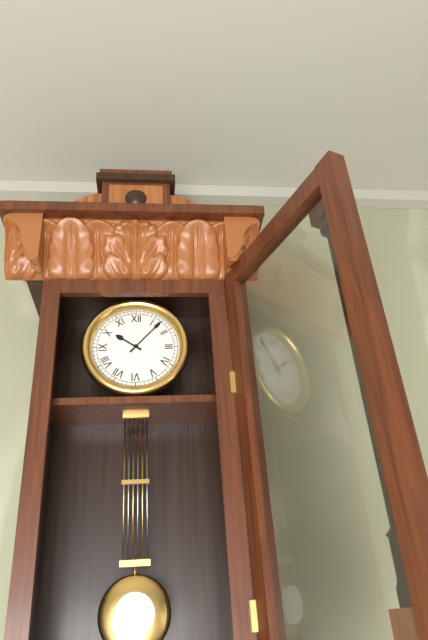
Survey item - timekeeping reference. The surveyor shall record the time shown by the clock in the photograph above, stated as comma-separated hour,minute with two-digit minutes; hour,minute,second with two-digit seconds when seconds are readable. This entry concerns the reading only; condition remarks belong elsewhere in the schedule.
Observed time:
10,07
